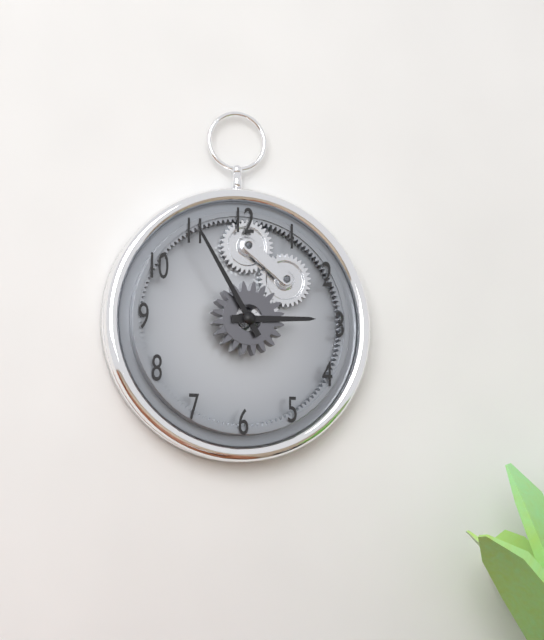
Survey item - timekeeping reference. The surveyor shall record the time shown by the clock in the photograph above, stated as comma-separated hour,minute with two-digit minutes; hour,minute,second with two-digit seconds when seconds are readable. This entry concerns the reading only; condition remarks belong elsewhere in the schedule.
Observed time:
2,55
